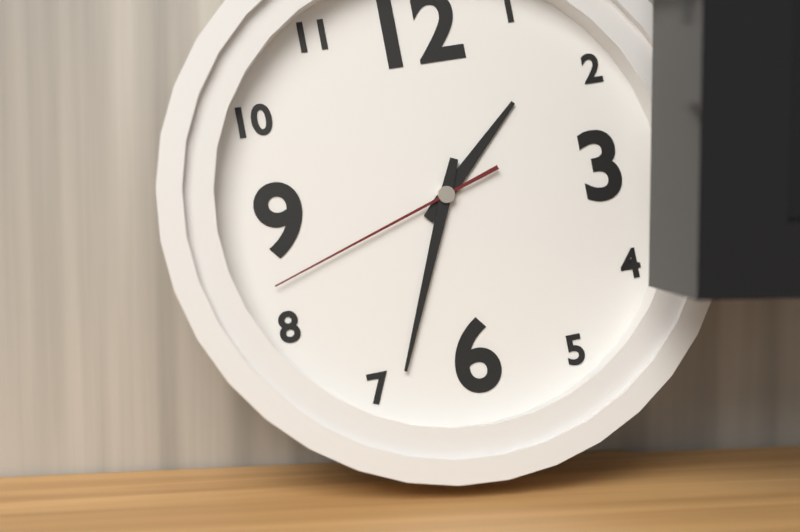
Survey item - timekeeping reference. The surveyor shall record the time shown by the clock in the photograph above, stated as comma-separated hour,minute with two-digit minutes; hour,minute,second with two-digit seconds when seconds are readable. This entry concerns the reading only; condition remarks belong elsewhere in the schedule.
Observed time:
1,34,42
